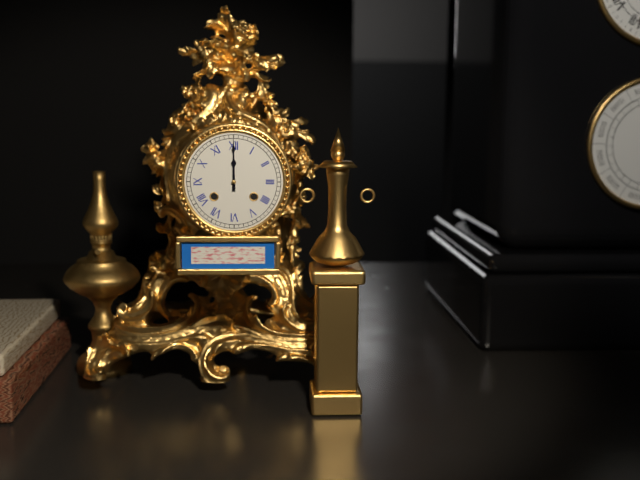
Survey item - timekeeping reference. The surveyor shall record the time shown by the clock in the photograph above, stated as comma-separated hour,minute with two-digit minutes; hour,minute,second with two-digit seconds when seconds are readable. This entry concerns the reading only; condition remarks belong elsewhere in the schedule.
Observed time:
12,00
